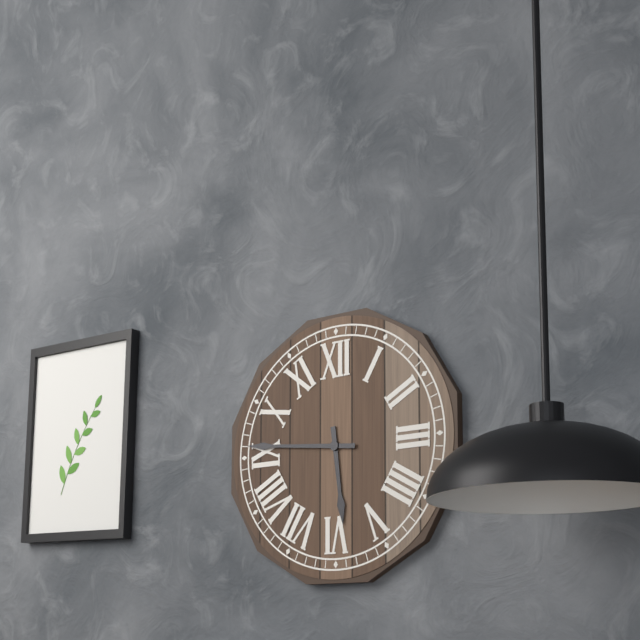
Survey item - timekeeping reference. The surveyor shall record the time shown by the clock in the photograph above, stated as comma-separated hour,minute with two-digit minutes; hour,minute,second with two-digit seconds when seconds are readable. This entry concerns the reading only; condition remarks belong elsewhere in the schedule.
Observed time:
5,46
